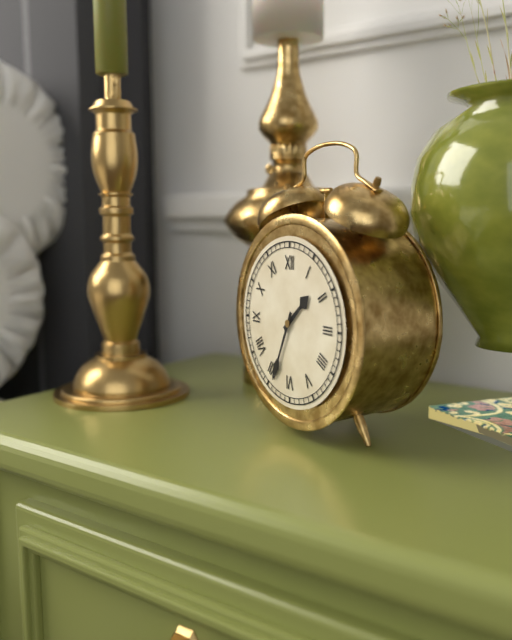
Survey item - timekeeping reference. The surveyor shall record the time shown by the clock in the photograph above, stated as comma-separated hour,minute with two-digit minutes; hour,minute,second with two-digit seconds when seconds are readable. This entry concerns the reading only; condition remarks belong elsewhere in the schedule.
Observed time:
1,34
